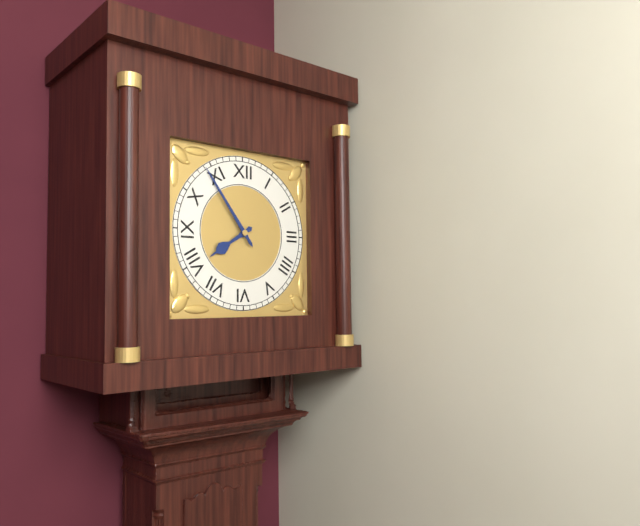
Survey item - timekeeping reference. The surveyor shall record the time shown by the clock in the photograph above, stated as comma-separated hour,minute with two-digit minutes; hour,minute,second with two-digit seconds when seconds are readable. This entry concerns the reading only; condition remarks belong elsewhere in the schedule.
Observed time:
7,54
